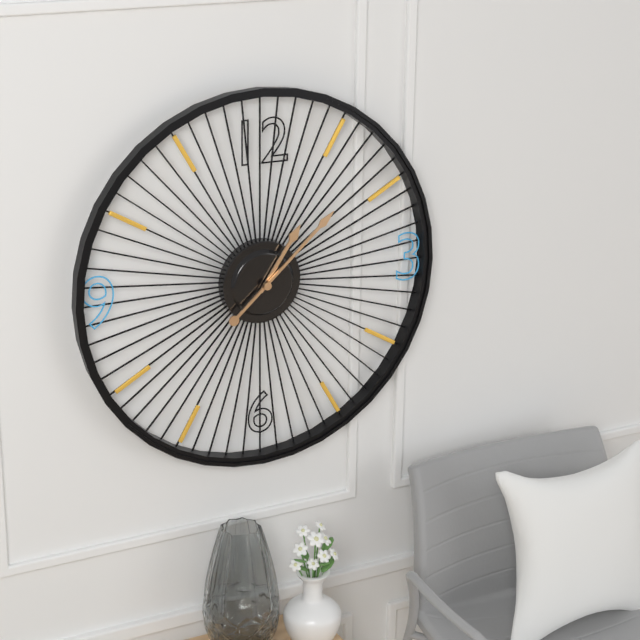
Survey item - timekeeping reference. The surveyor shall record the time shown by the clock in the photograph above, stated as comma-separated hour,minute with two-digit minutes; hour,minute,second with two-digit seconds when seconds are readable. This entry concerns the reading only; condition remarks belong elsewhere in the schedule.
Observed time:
1,08
